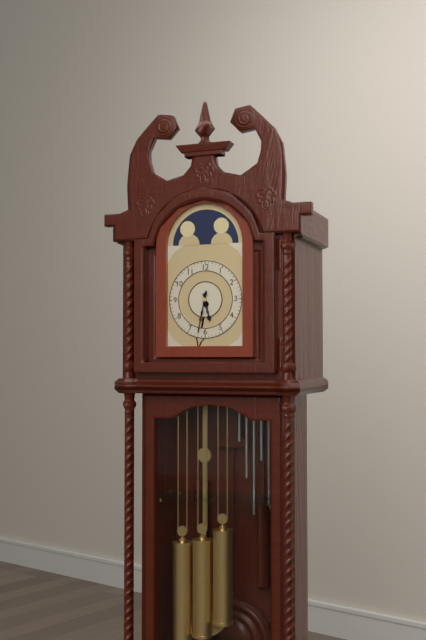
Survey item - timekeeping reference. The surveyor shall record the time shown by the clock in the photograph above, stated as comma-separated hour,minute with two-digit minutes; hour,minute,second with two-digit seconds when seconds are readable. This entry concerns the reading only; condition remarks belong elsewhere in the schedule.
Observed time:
5,32
